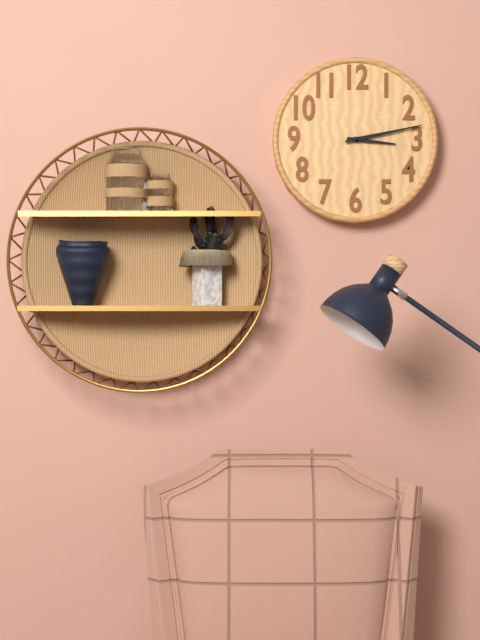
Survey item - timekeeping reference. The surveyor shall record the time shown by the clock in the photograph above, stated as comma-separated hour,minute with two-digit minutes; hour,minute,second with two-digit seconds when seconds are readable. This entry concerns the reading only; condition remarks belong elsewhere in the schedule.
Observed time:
3,13
